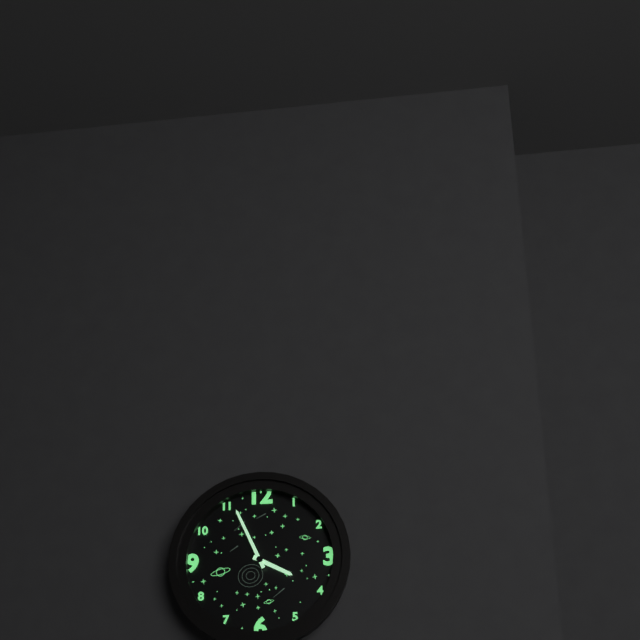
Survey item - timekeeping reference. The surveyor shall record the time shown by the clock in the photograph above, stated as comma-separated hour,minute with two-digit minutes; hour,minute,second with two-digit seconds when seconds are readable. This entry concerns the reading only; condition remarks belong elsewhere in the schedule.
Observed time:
3,56
